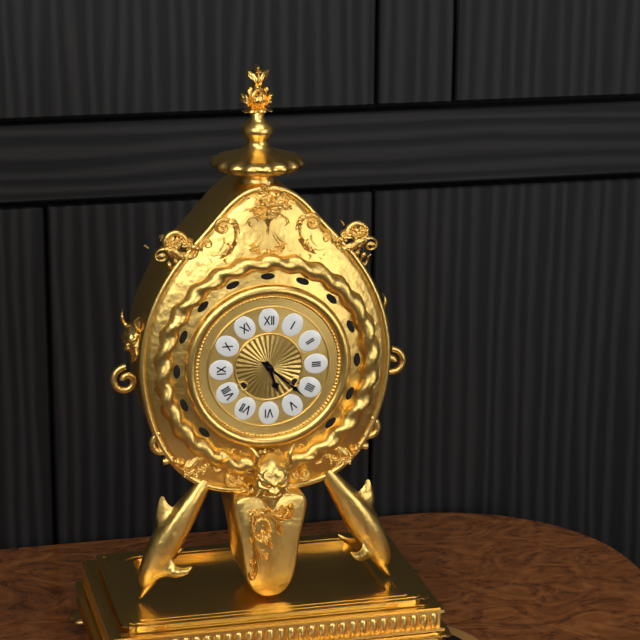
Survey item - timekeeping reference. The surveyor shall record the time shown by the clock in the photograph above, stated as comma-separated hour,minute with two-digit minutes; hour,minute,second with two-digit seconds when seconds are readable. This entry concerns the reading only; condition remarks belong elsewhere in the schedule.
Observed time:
5,22
